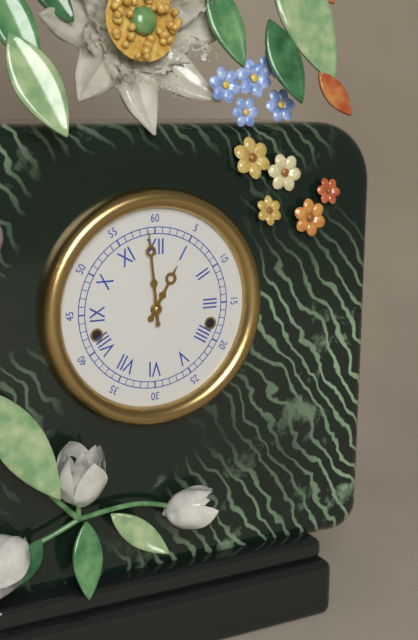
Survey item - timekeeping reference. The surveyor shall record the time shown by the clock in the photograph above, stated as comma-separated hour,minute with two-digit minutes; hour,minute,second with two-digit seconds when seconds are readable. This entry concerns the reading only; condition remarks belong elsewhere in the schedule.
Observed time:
12,59
